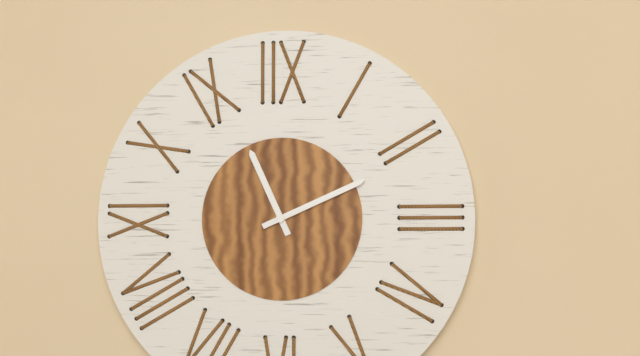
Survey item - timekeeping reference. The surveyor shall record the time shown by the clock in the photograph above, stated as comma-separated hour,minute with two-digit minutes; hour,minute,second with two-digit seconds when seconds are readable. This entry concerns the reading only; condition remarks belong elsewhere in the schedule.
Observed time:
11,11
